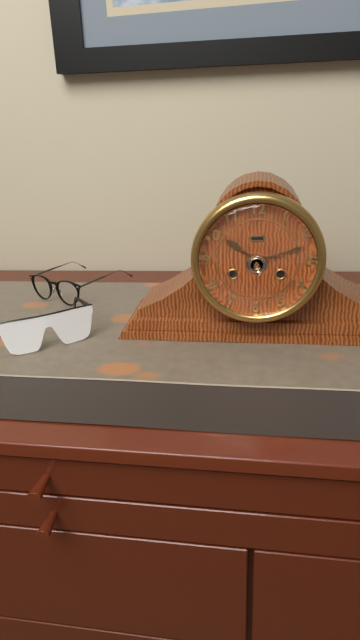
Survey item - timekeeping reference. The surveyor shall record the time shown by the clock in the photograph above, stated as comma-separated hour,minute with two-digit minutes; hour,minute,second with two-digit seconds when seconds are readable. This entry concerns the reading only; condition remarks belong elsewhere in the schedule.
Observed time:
10,12
